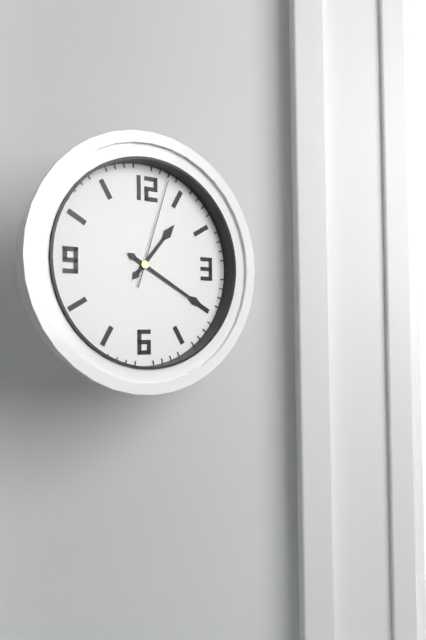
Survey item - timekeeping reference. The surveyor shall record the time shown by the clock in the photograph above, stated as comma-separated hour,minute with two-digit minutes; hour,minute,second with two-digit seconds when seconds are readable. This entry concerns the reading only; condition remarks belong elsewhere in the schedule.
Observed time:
1,20,03
